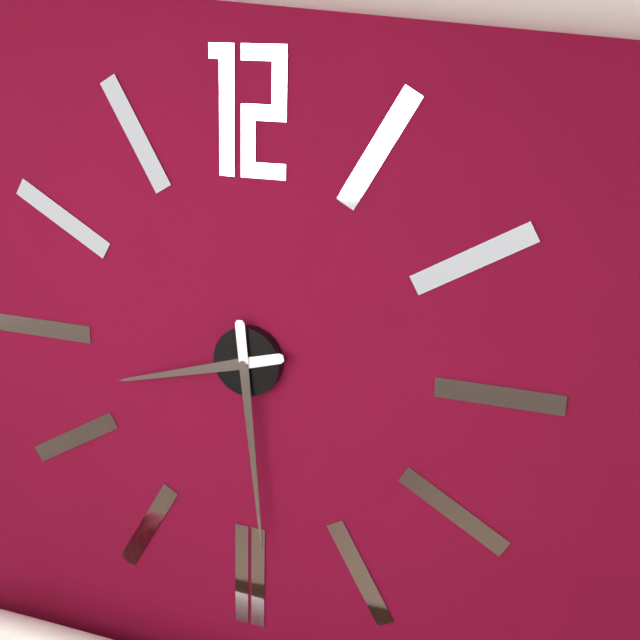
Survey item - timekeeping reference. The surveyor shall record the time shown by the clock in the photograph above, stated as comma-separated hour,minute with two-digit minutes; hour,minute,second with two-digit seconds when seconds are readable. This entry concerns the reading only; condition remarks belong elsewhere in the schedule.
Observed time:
8,29
